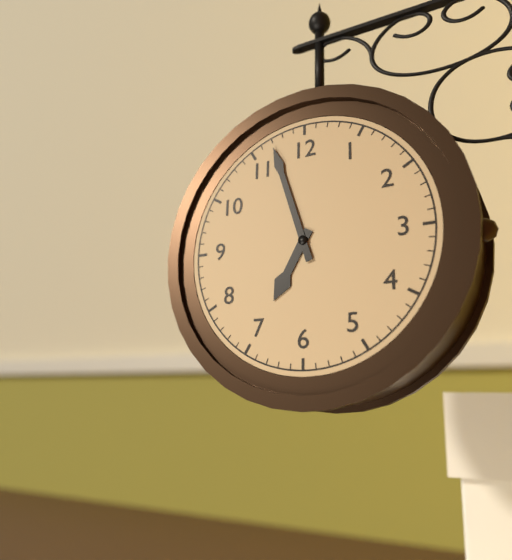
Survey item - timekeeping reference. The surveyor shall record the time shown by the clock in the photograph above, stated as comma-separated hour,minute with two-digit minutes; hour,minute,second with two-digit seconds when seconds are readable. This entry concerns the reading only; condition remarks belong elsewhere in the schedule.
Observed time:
6,57
